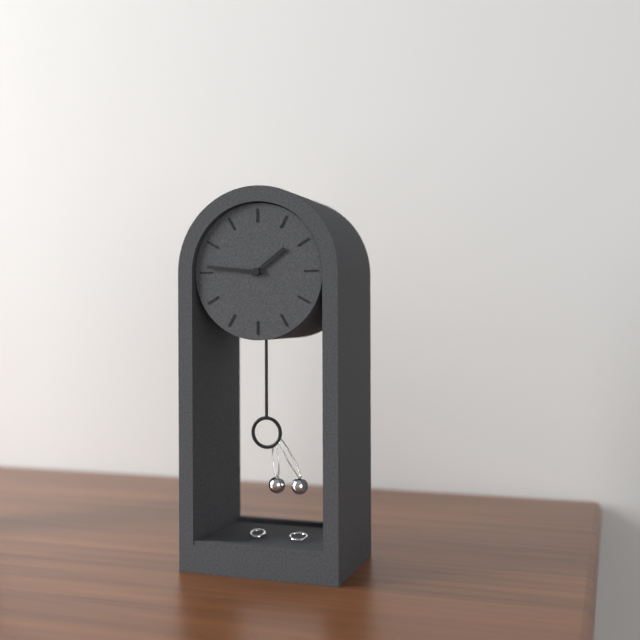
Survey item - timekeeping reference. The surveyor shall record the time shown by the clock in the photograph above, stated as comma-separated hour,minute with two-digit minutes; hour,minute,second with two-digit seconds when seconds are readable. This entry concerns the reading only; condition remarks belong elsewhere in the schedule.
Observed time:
1,46
